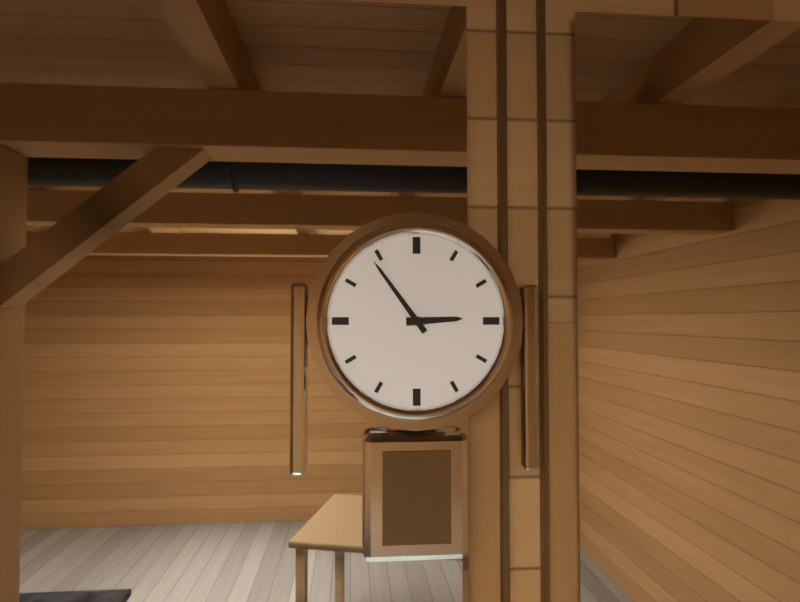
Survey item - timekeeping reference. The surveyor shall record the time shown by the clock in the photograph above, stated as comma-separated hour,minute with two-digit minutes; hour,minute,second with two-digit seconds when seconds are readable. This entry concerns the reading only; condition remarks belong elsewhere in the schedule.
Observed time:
2,54
